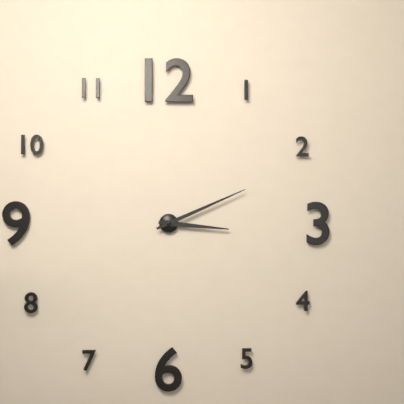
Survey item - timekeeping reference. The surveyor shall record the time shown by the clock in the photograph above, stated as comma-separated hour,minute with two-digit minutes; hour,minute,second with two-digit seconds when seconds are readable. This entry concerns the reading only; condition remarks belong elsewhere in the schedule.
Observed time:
3,11
